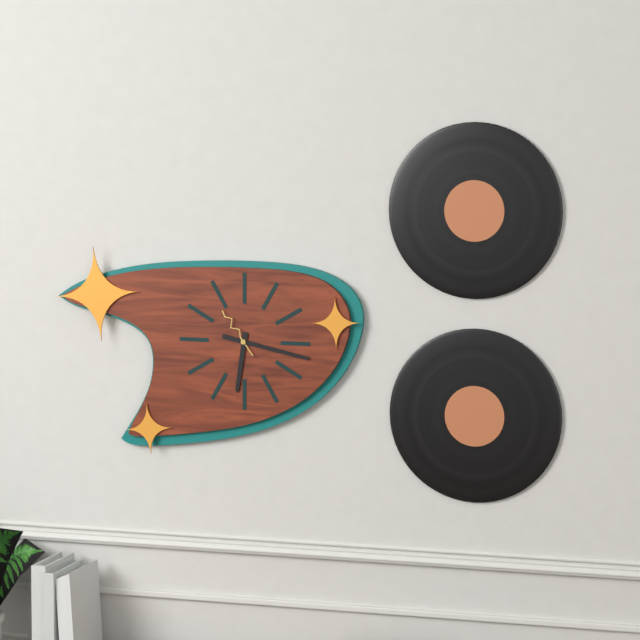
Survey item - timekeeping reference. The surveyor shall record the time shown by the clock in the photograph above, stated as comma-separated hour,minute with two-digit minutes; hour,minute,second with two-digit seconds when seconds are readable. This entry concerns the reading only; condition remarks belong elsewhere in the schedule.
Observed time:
6,17
